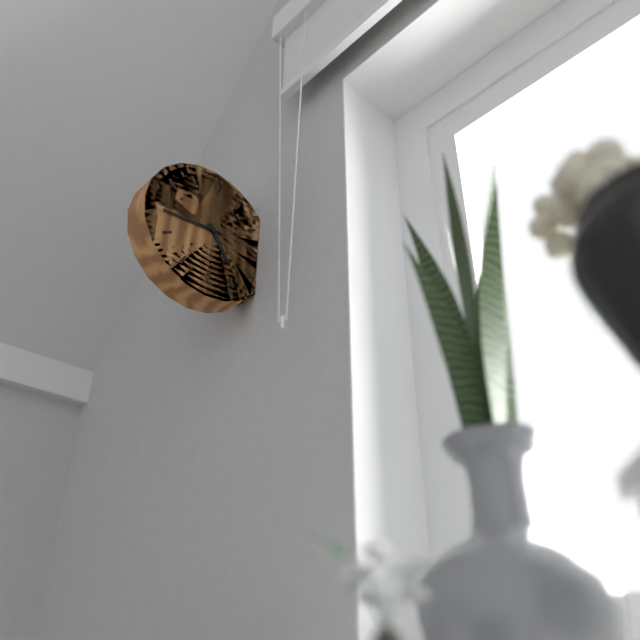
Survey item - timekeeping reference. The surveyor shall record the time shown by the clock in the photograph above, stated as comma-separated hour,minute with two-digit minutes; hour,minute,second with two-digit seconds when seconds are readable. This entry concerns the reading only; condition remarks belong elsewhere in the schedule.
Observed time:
4,44,14
